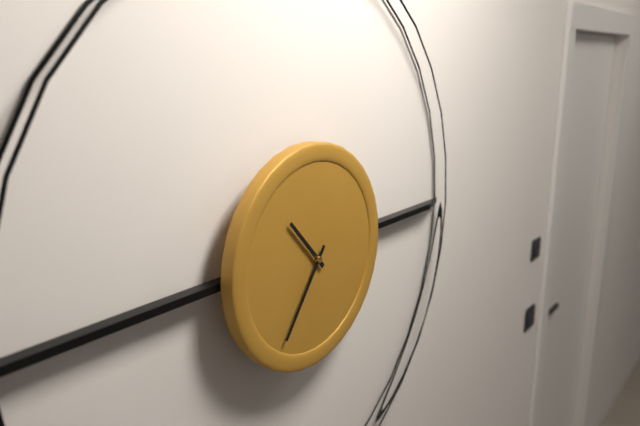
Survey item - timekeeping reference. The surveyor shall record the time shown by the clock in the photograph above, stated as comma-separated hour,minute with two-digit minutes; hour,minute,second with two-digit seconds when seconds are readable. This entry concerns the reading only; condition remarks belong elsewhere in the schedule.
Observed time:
10,36
